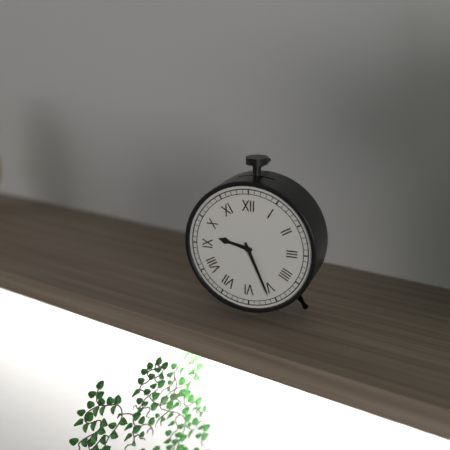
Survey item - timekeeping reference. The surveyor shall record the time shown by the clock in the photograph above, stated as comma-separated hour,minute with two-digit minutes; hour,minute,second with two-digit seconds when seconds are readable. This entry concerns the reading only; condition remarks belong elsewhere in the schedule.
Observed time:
9,26
